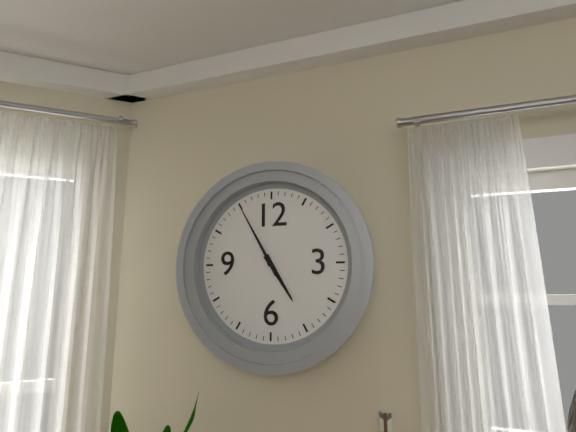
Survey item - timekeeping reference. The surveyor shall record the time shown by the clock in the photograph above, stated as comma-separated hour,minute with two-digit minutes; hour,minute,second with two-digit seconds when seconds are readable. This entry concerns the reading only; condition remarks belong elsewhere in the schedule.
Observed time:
4,55
